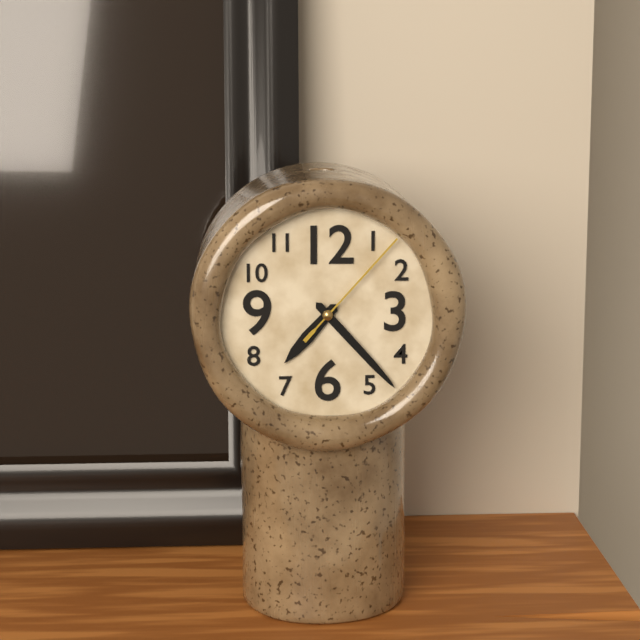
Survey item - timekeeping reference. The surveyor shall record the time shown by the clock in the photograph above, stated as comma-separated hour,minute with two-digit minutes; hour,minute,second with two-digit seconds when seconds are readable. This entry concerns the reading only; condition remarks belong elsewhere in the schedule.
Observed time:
7,23,07
